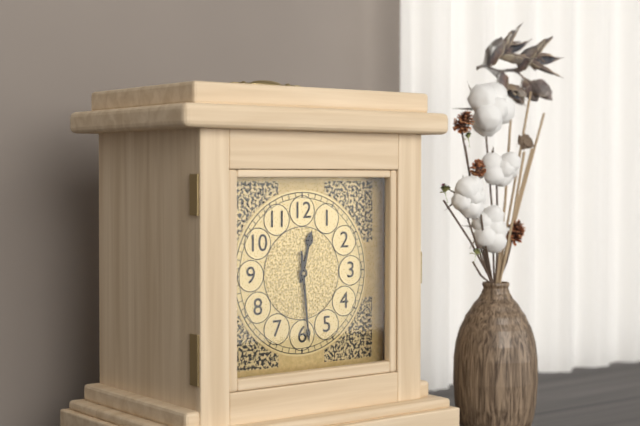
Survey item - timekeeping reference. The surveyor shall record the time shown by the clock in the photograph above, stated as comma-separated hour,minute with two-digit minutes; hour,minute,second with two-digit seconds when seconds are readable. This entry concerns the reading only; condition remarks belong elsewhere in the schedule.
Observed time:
12,29
